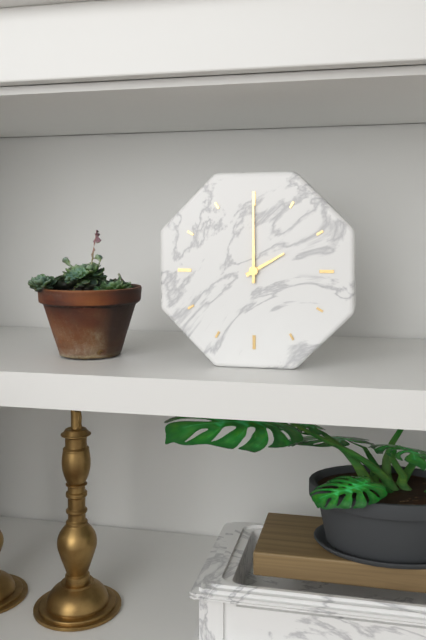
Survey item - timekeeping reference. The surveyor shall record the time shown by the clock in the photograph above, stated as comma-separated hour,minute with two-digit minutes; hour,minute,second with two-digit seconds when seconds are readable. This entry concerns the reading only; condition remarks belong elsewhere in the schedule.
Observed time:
2,00
